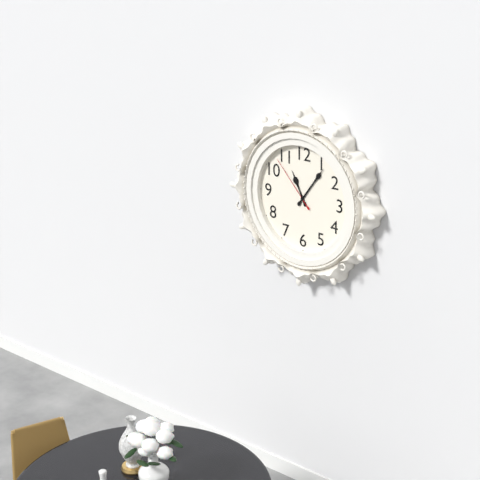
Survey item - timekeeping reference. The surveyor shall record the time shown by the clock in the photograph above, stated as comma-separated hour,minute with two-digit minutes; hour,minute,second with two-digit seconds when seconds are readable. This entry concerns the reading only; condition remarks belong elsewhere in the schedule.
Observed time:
11,06,53
